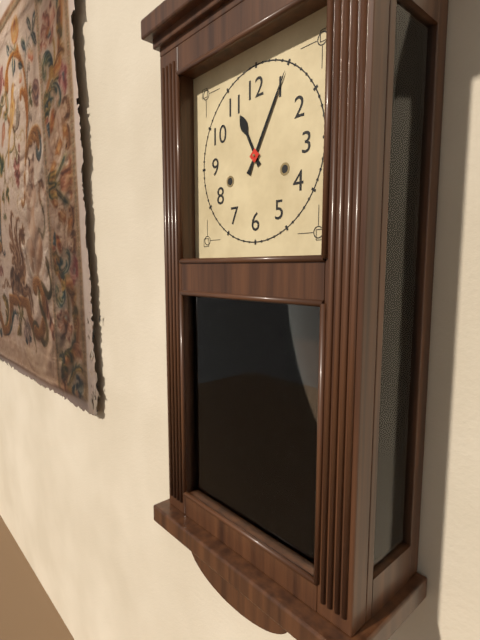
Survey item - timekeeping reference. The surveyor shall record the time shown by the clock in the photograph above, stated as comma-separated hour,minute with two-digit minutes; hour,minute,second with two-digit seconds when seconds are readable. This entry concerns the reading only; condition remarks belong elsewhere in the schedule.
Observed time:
11,05
